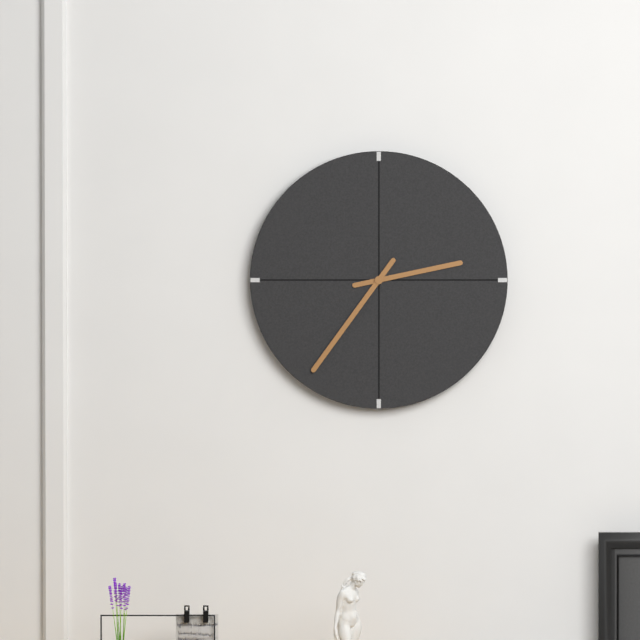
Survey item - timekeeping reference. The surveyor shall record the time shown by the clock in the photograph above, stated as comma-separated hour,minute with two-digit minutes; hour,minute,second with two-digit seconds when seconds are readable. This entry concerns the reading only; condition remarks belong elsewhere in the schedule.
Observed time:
2,36
